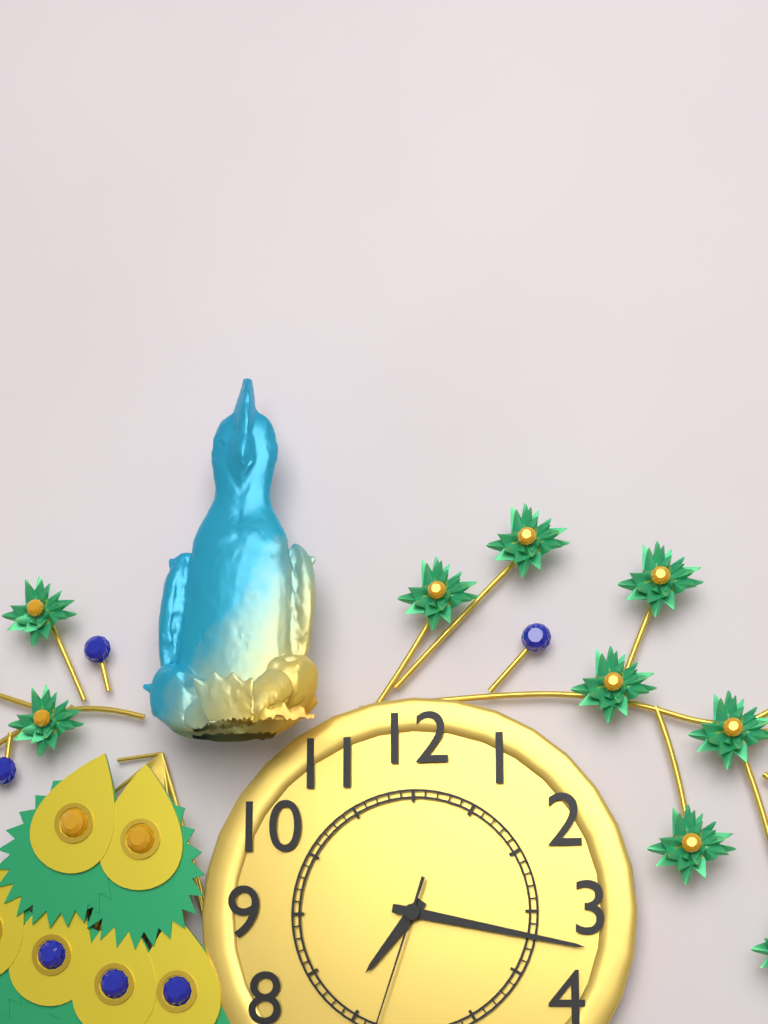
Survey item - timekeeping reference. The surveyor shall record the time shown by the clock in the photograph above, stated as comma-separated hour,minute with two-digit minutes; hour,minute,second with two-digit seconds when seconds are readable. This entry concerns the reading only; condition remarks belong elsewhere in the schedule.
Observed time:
7,17
